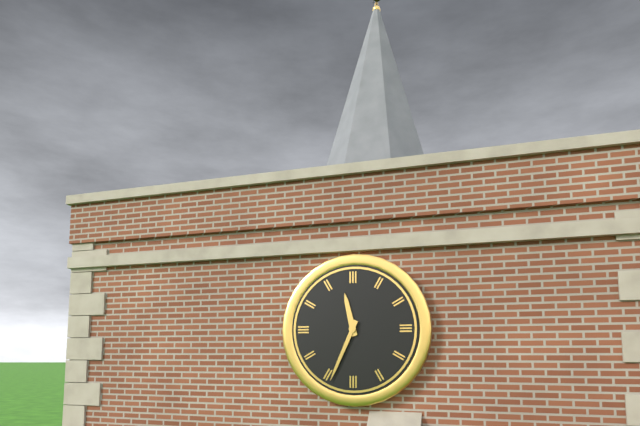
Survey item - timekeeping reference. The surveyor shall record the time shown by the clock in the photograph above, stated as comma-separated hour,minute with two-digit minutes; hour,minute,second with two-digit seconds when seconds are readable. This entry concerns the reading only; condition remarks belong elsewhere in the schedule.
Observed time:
11,34
